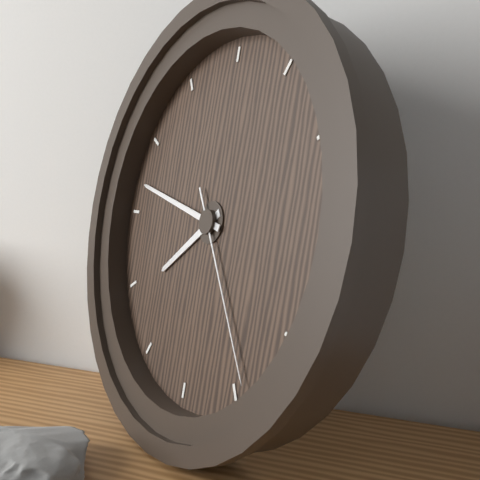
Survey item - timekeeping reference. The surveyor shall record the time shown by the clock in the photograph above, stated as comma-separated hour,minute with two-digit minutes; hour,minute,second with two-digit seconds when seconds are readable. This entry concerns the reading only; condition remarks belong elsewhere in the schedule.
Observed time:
7,47,24
